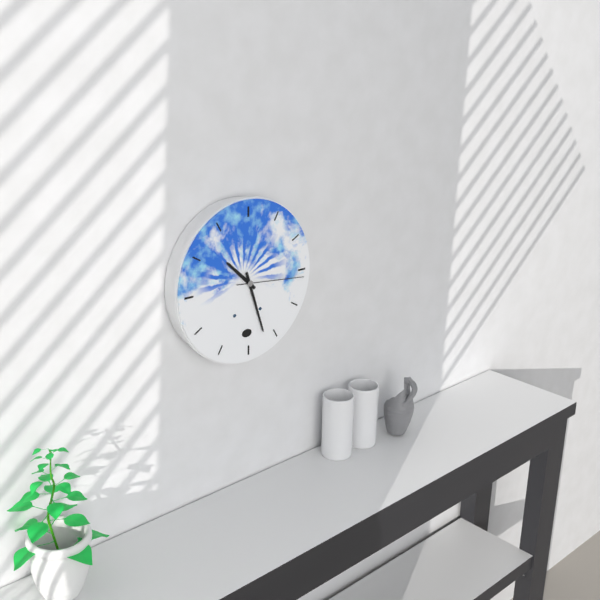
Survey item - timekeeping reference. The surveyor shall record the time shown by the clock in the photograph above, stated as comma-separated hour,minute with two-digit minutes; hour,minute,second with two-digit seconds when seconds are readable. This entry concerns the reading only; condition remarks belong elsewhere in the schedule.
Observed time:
10,27,16
